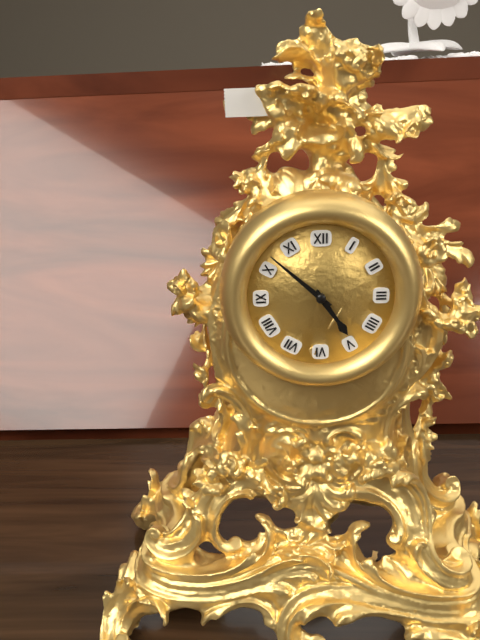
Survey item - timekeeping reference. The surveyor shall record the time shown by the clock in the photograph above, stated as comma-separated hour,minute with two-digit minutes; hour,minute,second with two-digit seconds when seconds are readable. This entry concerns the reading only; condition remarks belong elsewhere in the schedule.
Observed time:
4,52
